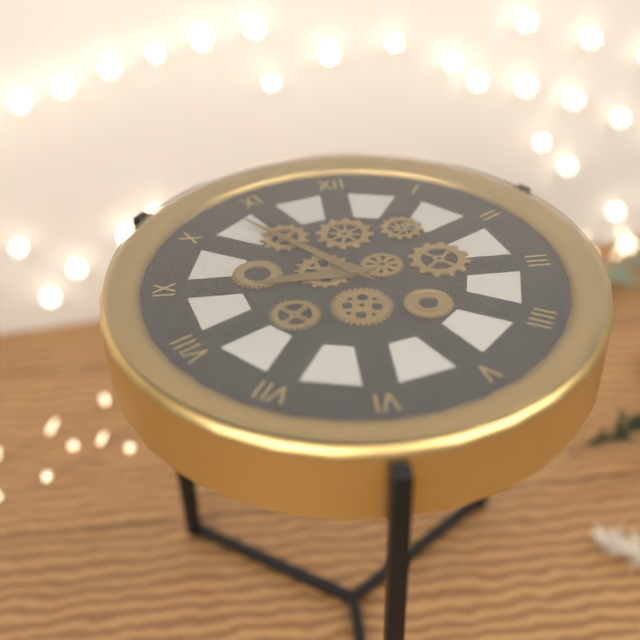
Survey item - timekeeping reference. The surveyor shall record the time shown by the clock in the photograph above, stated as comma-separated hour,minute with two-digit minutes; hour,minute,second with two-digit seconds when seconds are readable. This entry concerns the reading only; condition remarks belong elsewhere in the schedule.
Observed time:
8,53
